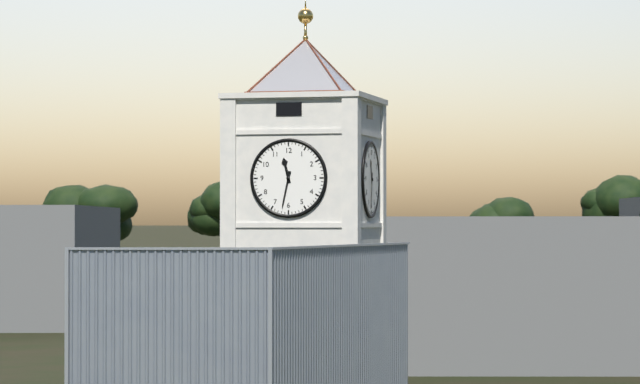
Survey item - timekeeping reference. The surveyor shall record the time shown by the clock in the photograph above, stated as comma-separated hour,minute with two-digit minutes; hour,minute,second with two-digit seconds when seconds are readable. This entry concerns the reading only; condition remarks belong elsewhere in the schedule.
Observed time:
11,32
